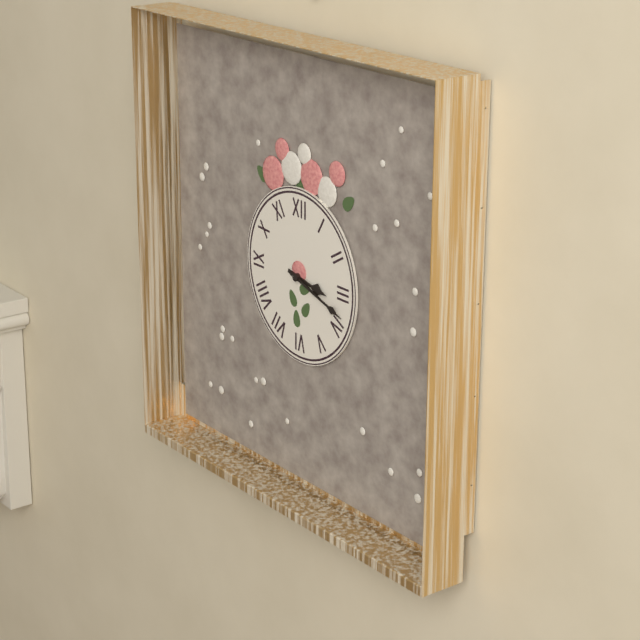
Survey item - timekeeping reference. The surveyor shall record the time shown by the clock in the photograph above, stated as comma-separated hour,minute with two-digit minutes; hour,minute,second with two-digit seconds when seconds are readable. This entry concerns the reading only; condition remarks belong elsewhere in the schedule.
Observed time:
3,18
